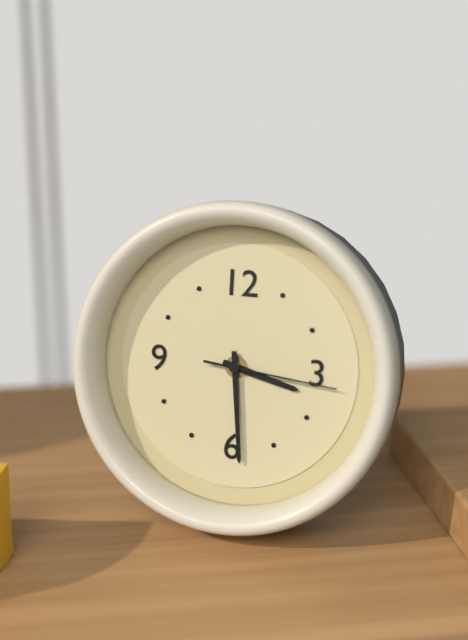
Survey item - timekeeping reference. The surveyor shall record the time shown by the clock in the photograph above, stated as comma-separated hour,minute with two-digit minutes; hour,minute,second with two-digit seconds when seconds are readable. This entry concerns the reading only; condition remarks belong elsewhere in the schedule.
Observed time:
3,29,16
